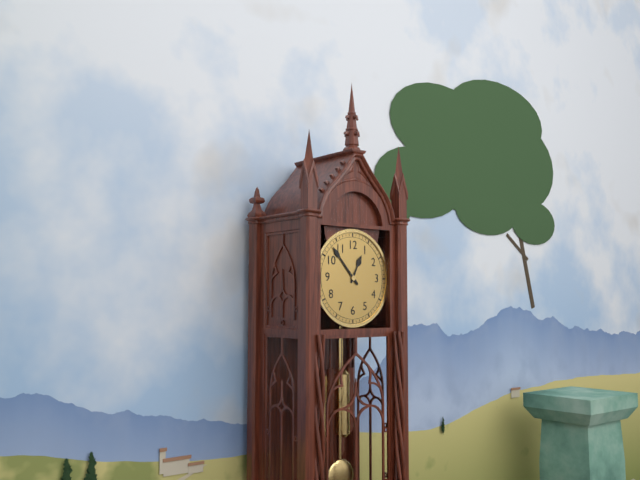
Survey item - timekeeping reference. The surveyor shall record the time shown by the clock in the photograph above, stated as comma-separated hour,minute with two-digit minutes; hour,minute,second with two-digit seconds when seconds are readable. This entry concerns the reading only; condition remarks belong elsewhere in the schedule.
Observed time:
12,53
